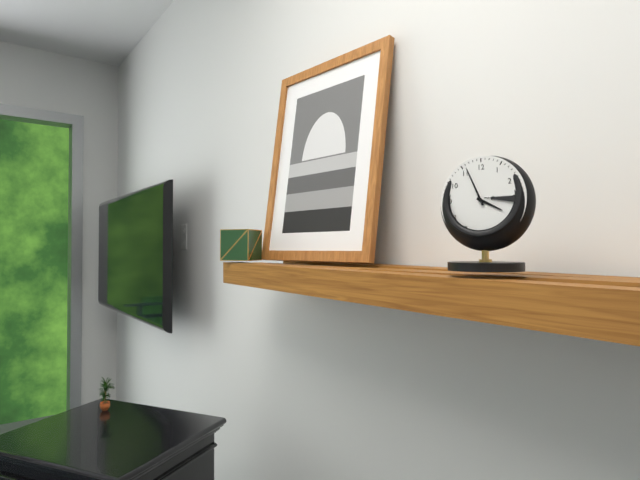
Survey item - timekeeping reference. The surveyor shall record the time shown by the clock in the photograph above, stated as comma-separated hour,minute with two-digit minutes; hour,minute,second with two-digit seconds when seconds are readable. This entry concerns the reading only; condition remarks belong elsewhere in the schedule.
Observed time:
3,56
